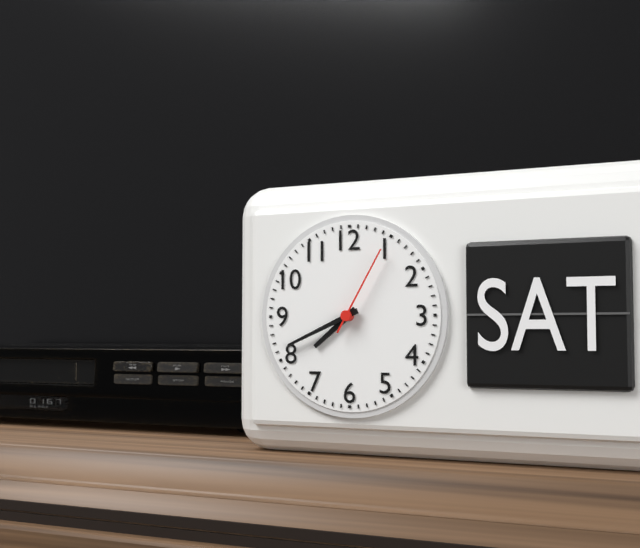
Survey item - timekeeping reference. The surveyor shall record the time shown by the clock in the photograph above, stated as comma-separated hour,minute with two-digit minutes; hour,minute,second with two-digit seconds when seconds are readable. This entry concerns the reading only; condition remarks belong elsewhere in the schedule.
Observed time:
7,41,05
